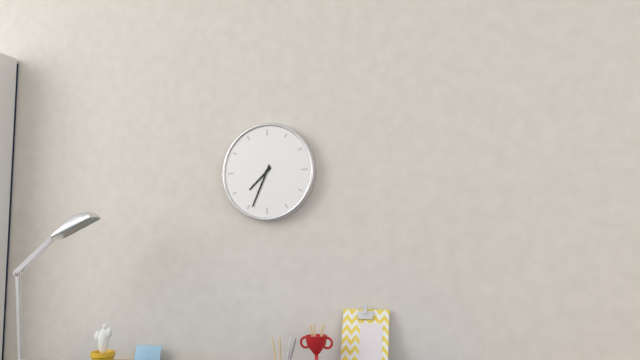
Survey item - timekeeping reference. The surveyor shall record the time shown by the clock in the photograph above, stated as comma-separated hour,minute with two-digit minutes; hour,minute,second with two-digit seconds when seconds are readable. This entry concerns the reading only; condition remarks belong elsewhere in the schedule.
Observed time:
7,34
